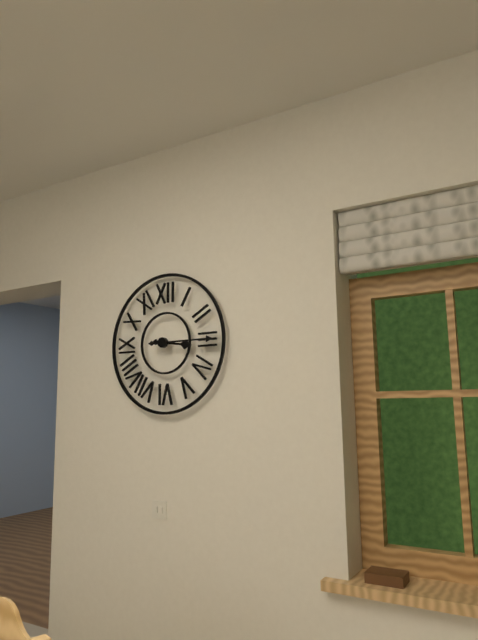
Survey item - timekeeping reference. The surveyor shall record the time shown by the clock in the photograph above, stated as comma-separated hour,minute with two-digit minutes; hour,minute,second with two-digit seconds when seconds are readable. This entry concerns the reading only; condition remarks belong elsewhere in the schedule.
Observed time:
3,15
